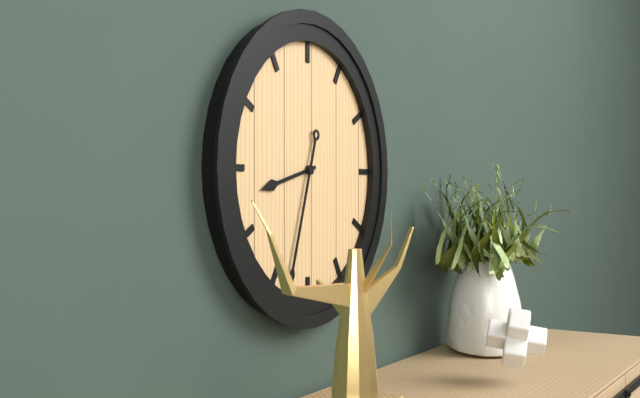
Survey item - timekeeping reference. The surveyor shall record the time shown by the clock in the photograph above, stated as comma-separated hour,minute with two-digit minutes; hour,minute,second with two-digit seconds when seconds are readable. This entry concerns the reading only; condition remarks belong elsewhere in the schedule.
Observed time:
8,33
